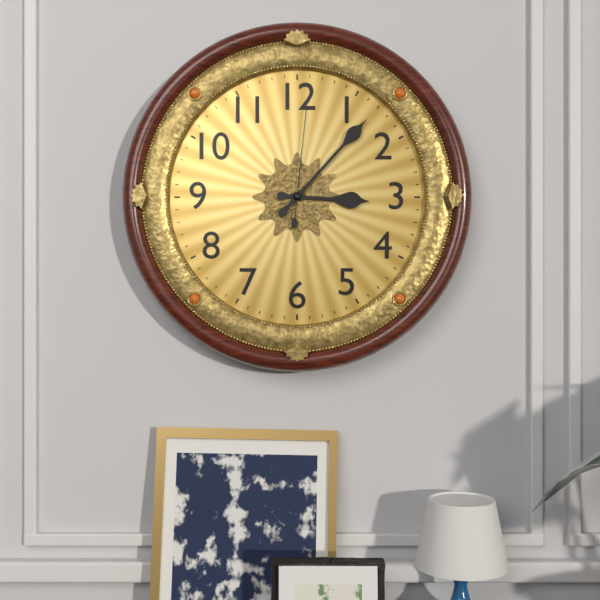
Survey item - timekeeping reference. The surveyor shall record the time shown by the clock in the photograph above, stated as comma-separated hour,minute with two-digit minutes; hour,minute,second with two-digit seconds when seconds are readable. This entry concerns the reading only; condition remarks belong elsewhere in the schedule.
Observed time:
3,07,01
